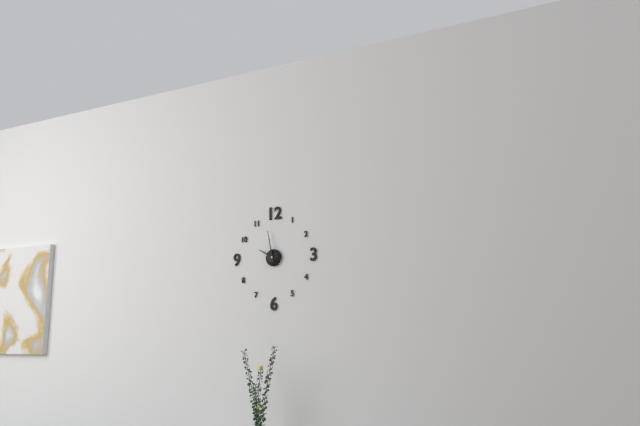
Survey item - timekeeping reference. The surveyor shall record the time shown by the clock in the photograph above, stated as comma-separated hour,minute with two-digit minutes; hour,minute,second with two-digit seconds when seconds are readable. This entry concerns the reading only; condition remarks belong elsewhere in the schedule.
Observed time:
9,58
